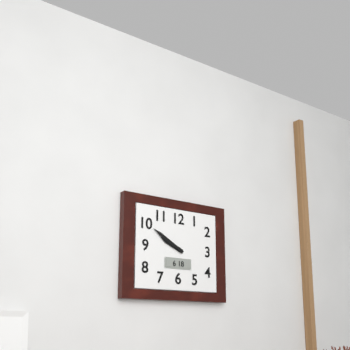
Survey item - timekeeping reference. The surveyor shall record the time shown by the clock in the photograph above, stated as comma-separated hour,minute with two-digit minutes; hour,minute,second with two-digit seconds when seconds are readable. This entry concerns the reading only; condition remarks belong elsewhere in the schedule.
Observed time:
9,50
